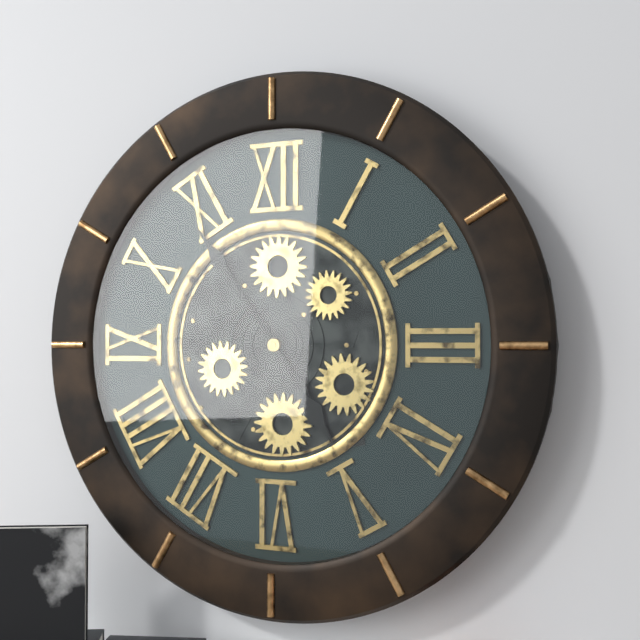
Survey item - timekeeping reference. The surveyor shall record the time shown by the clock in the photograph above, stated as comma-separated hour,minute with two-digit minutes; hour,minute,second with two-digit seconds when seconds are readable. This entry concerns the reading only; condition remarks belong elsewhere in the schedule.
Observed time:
4,54
